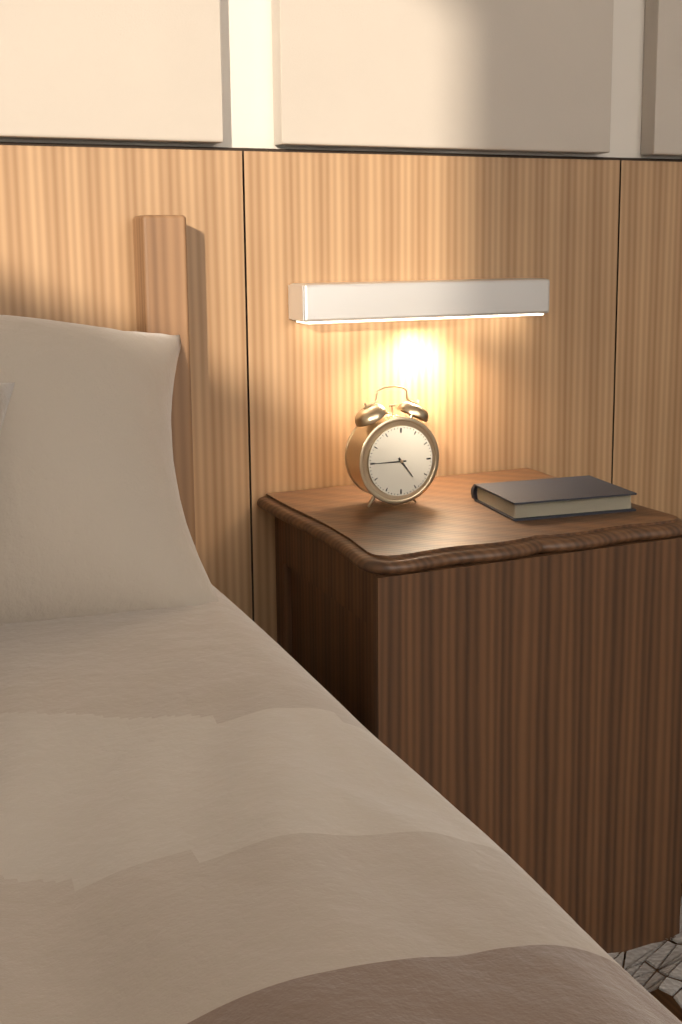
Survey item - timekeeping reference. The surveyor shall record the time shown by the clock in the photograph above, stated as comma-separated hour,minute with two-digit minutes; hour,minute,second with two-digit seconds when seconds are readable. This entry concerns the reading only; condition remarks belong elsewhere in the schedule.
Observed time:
4,45
